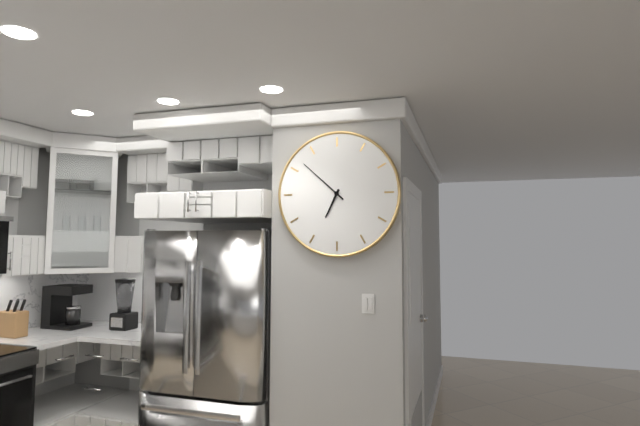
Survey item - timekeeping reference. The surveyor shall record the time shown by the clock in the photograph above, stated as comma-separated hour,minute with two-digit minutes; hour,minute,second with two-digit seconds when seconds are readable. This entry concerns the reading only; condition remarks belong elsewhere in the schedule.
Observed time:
6,52
